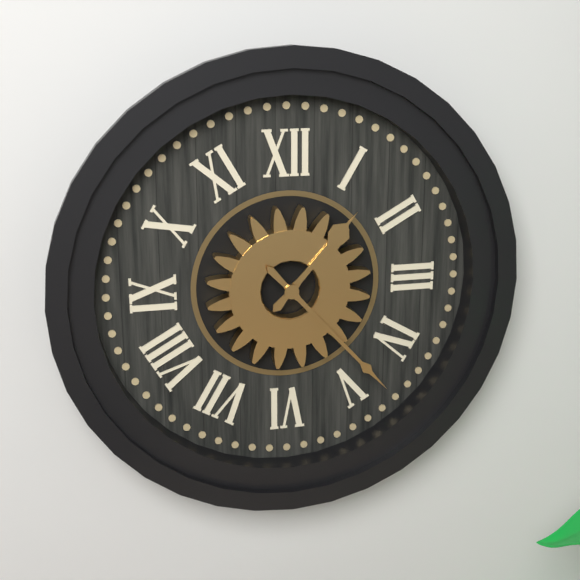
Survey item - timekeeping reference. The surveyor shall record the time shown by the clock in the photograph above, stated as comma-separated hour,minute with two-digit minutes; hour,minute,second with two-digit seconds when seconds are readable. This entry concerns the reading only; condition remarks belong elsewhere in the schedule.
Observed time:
1,23
